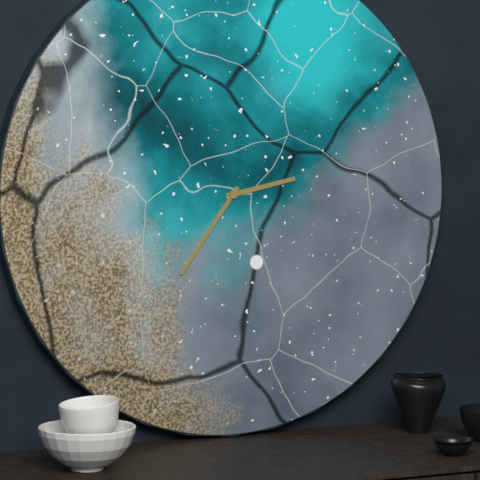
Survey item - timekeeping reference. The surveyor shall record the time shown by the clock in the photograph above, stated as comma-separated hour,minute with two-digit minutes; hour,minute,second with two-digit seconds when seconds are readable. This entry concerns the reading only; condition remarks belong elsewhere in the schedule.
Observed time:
2,36
